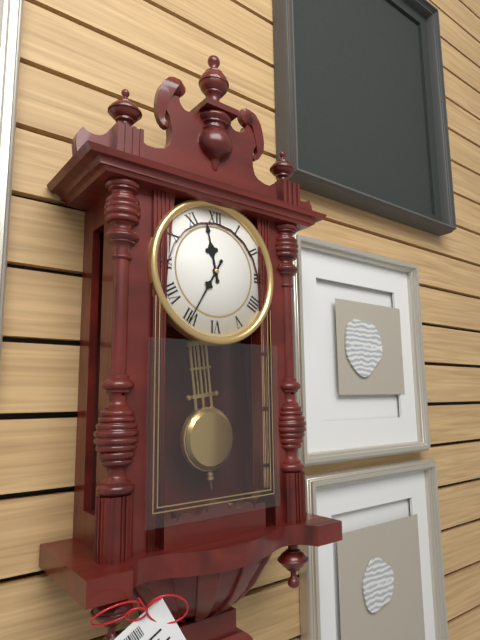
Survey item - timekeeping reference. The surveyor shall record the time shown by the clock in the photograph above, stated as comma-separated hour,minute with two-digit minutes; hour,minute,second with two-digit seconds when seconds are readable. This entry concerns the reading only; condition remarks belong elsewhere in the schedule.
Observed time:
11,35
